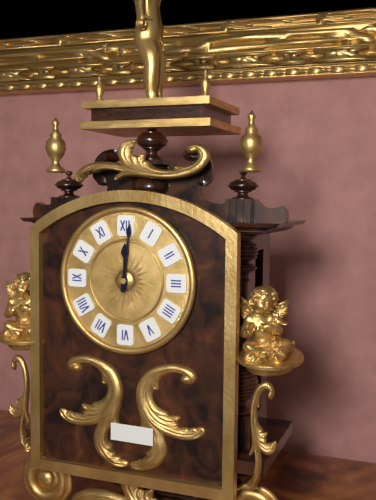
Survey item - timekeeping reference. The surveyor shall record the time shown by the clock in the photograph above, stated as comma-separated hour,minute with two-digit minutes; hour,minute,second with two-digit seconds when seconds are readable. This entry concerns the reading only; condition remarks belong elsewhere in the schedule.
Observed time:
12,01
